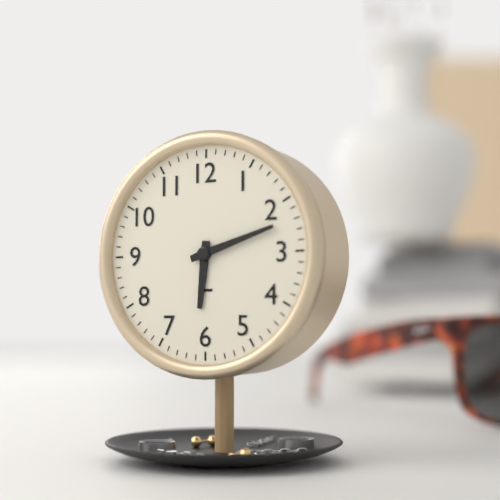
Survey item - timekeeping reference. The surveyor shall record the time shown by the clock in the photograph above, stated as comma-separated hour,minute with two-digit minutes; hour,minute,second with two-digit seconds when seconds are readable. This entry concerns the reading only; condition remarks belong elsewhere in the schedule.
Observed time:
6,12
